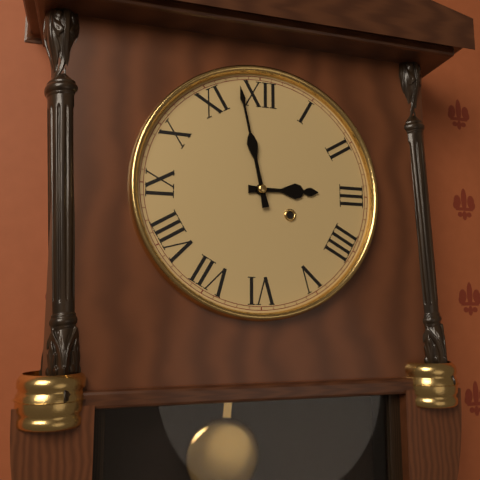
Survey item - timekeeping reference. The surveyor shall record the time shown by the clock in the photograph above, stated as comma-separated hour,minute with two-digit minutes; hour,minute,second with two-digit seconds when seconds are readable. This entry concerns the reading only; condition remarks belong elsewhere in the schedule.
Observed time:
2,58
